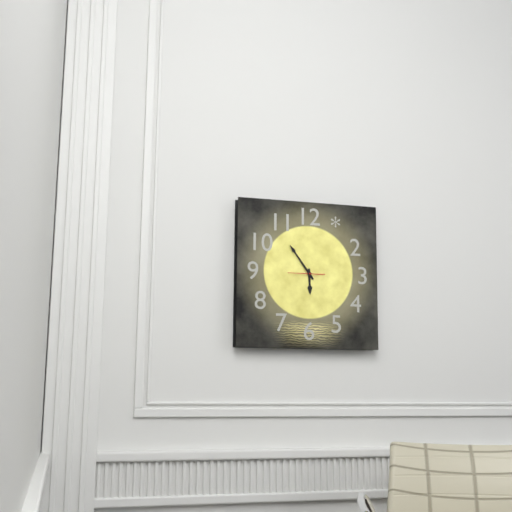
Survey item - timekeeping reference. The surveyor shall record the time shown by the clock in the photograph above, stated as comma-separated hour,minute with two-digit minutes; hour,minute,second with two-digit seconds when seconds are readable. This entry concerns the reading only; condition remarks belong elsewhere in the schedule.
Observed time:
5,54
